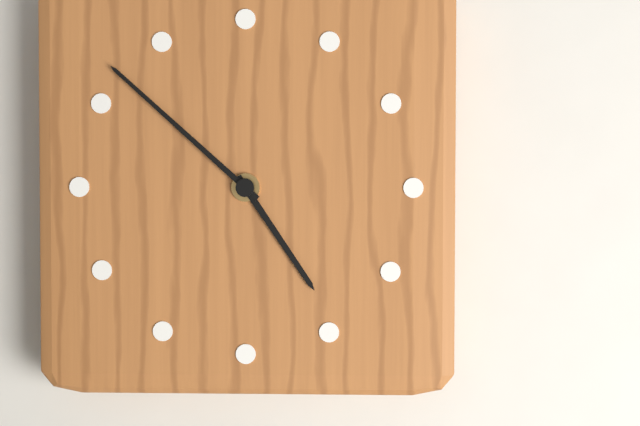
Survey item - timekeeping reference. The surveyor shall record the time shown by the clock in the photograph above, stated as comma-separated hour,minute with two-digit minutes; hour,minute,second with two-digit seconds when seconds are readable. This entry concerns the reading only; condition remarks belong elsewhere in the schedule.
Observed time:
4,52
